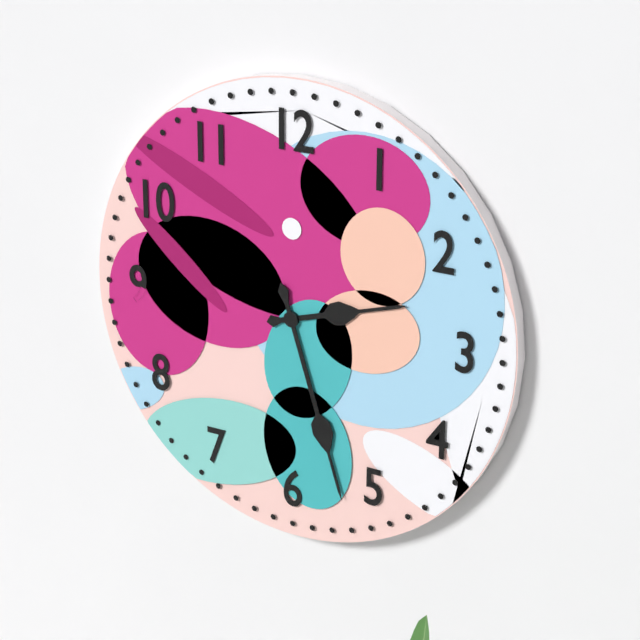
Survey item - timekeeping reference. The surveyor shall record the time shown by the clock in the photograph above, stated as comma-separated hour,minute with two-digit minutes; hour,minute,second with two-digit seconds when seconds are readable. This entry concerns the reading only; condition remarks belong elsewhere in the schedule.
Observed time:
2,27
